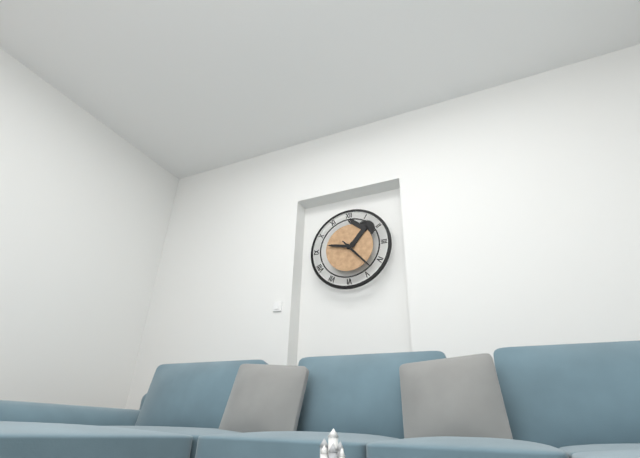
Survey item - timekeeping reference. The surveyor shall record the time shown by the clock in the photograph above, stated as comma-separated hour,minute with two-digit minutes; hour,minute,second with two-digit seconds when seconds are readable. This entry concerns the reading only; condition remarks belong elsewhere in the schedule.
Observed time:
9,23
